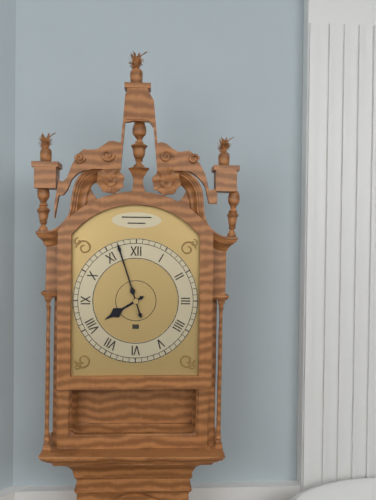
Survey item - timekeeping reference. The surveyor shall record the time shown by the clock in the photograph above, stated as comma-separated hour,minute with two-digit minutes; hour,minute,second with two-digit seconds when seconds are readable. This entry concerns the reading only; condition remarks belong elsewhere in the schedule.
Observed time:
7,57
